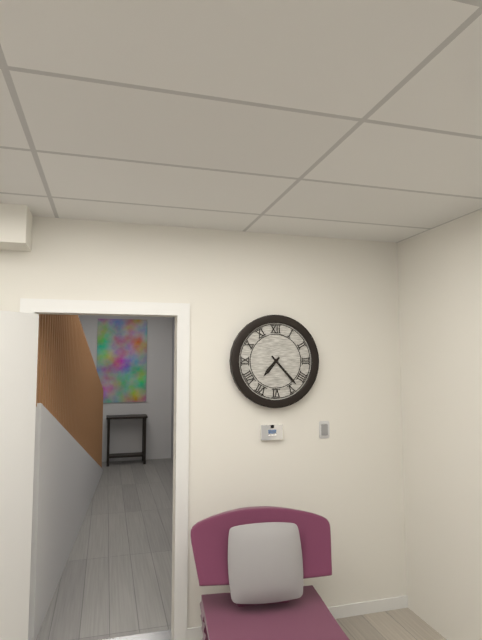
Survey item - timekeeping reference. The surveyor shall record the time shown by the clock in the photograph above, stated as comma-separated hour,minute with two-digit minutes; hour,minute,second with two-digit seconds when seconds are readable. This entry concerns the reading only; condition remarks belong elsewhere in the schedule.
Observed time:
7,23
